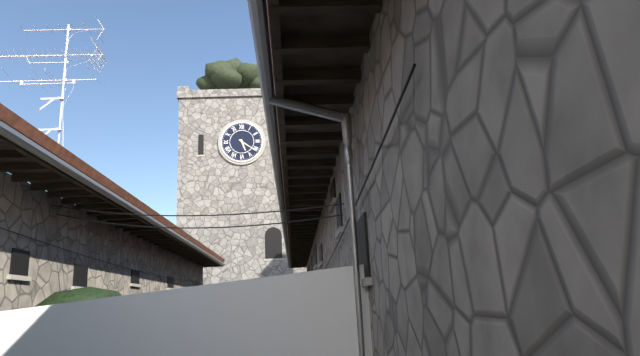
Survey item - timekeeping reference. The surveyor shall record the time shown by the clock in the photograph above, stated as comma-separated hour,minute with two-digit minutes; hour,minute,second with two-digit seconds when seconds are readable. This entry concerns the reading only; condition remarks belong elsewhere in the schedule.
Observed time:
5,21
